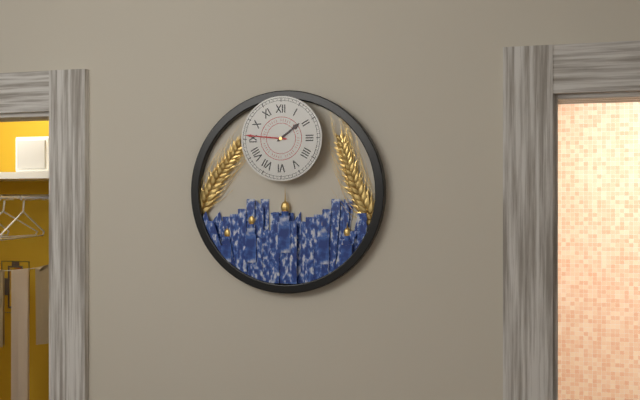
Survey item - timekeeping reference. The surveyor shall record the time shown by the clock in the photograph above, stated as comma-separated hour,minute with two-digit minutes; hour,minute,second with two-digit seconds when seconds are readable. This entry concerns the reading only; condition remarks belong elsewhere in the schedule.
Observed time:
1,46
